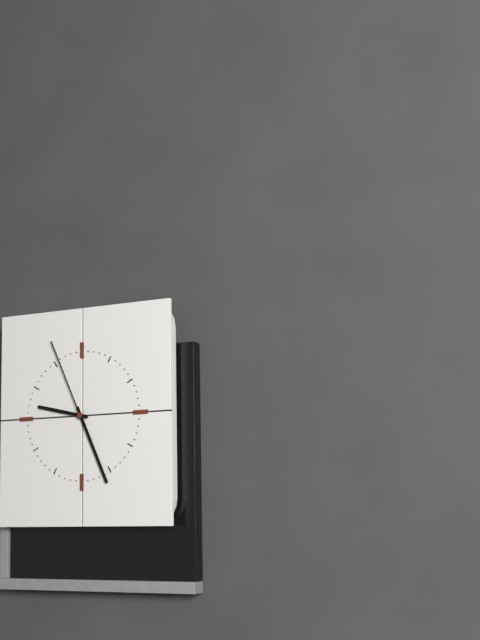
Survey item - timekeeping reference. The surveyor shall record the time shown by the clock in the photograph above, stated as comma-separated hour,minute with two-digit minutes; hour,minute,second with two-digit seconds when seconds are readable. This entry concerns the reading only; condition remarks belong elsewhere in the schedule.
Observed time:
9,26,56
